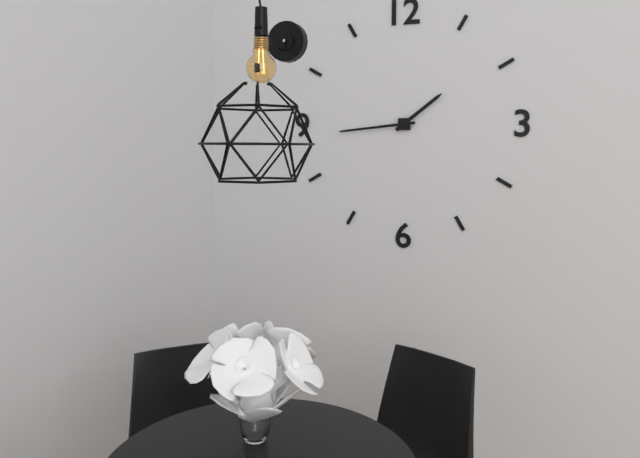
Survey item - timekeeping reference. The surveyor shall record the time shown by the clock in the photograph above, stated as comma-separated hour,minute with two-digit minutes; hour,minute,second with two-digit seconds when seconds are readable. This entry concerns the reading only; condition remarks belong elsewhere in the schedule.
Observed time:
1,44
